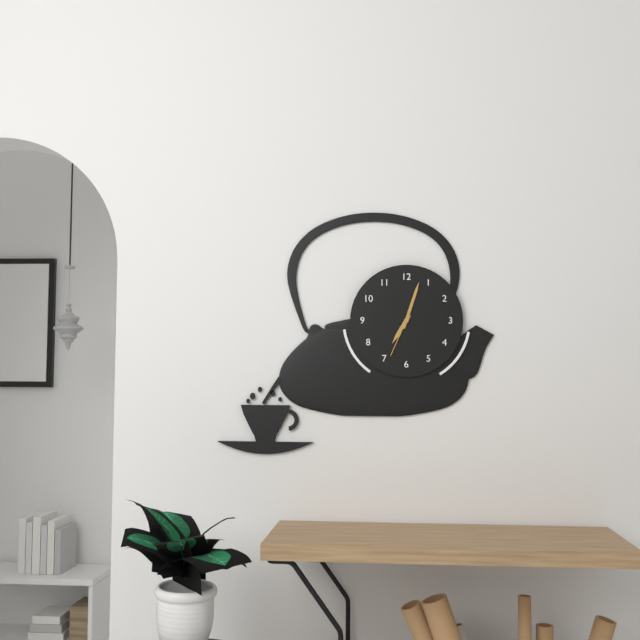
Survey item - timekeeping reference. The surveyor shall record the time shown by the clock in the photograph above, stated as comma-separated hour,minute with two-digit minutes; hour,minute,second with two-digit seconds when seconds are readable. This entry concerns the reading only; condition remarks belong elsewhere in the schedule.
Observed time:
7,03,34
